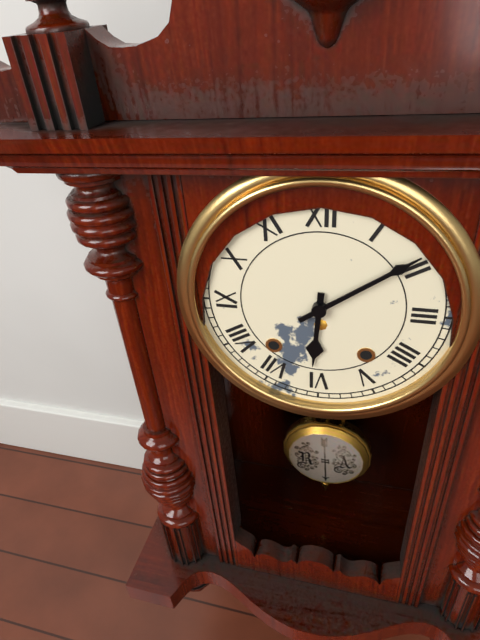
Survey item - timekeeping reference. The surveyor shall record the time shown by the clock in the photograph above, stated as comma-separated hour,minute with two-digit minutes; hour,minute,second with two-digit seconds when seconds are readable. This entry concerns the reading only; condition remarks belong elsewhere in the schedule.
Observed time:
6,09
